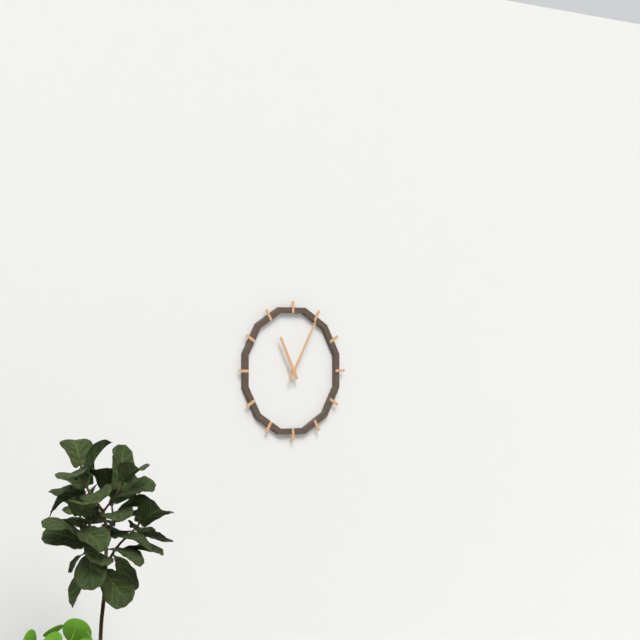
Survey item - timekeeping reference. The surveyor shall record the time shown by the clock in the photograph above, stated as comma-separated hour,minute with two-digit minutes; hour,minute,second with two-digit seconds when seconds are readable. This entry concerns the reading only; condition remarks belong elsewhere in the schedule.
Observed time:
11,05
